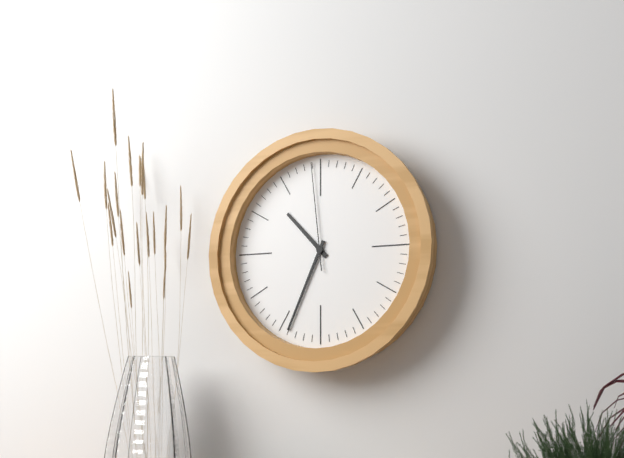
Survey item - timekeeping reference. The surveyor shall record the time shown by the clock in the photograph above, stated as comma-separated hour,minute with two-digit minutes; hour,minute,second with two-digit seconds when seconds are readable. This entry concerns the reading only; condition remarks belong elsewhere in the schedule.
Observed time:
10,34,59
